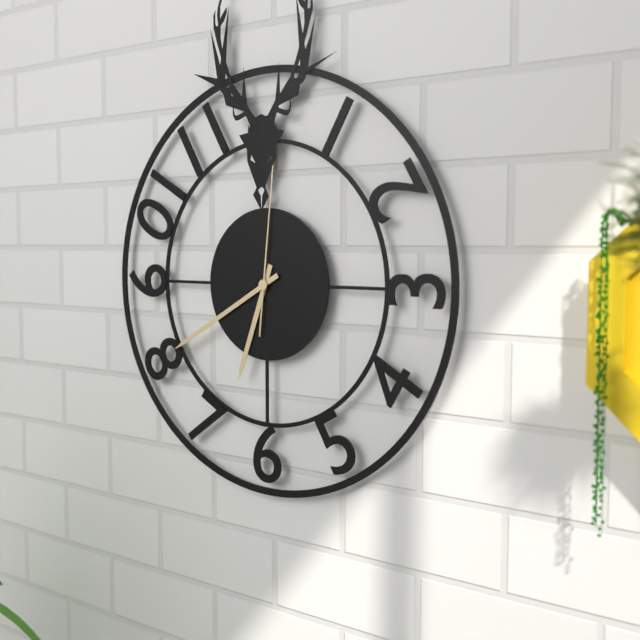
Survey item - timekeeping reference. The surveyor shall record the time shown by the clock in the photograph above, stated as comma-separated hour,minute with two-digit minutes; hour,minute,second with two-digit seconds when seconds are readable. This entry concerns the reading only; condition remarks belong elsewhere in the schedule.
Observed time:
6,40,01
